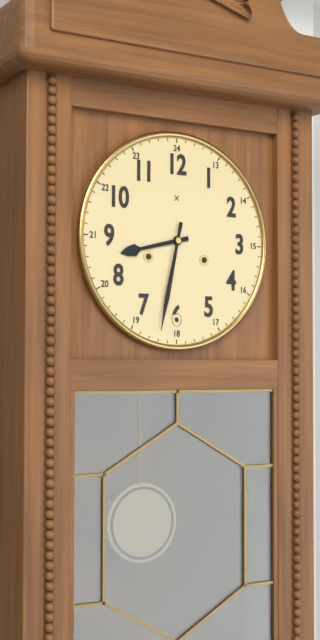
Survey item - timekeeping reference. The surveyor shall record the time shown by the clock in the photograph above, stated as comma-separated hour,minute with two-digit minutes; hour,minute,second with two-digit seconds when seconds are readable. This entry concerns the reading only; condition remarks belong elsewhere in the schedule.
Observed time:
8,32
